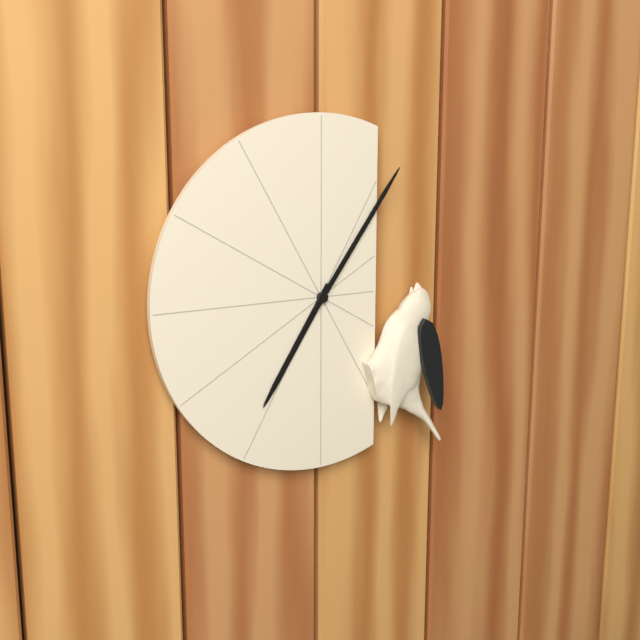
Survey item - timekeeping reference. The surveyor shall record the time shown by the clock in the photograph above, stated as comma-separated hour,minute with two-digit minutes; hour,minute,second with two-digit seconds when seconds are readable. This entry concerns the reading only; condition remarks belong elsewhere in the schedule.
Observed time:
7,06
